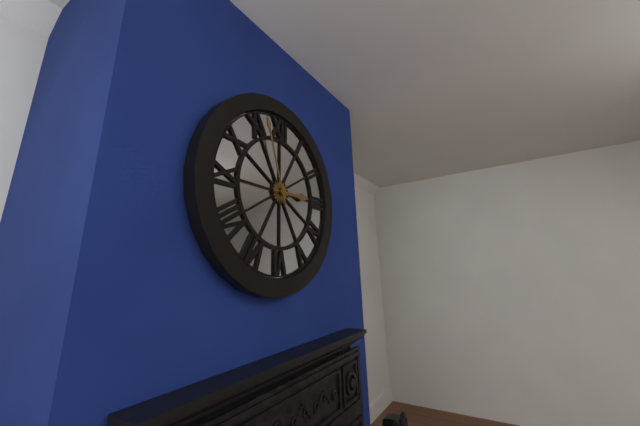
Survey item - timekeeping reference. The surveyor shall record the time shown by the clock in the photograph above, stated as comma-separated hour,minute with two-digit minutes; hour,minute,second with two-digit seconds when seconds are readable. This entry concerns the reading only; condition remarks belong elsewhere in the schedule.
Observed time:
2,57
